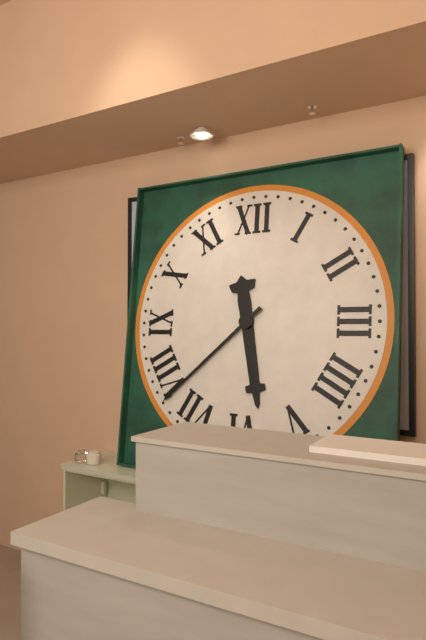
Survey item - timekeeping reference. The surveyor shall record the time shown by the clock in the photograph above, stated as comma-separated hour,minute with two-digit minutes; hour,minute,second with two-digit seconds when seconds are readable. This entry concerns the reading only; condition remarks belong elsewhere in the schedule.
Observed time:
5,38
